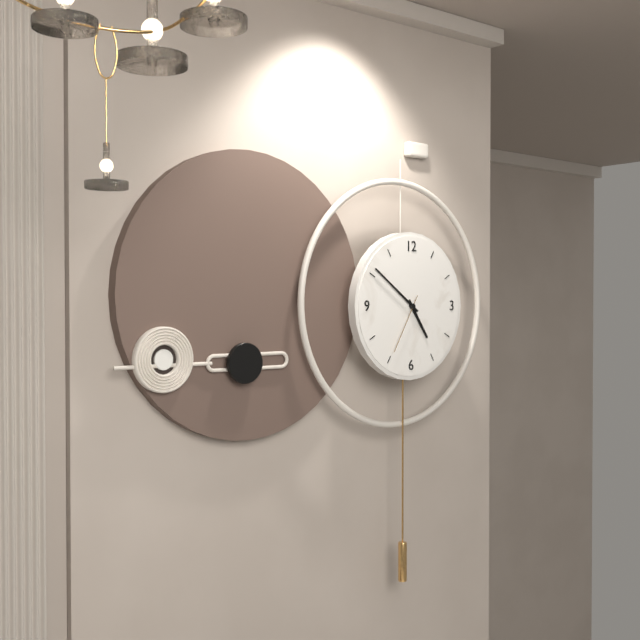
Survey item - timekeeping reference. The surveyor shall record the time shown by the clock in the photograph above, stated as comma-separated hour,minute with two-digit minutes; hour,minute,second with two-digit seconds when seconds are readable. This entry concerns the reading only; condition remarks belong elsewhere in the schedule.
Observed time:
4,51,35
